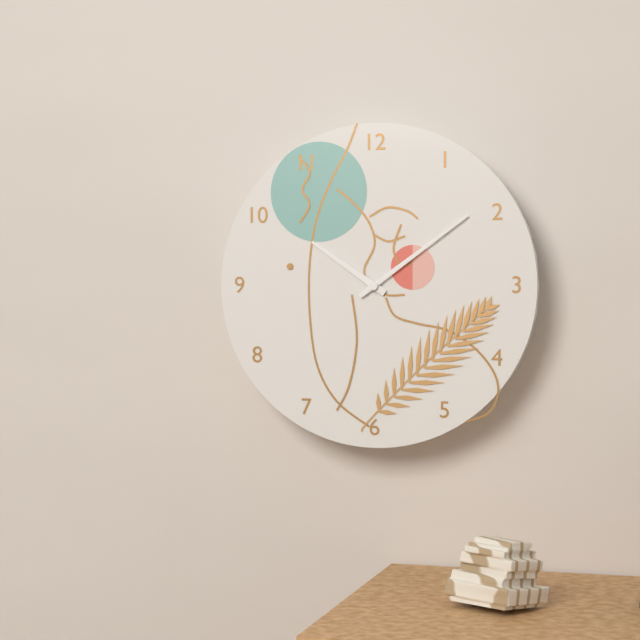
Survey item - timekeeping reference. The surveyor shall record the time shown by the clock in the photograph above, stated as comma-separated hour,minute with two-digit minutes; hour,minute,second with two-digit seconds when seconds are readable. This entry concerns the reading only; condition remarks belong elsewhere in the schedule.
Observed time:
10,09
